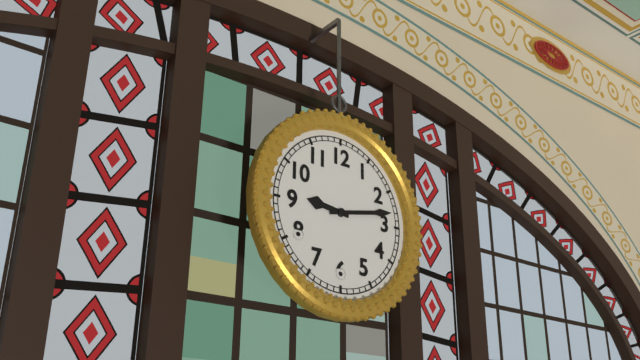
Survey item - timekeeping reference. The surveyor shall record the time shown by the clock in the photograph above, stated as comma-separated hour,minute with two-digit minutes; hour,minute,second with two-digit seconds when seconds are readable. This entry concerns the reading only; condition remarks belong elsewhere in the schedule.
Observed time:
9,13
